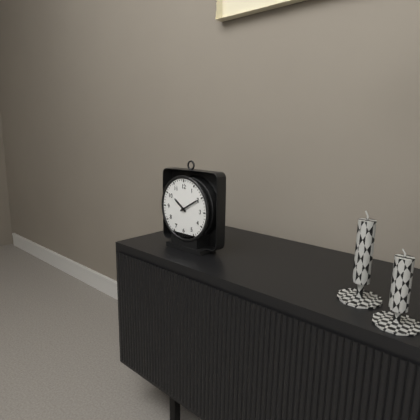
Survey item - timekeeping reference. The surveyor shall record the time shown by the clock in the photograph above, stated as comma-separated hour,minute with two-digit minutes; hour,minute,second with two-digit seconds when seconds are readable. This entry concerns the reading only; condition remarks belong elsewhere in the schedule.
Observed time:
10,10
